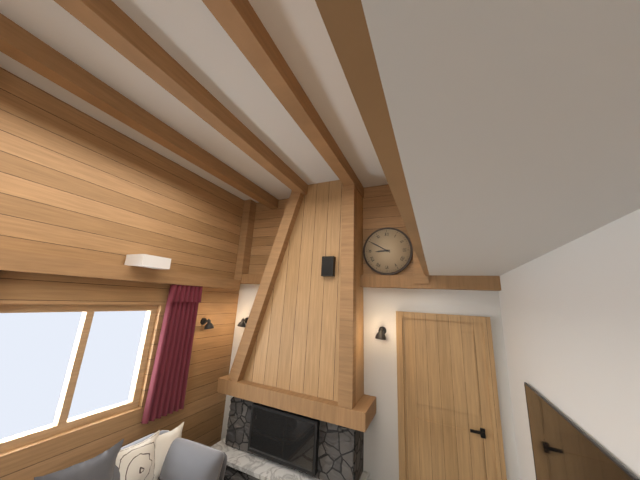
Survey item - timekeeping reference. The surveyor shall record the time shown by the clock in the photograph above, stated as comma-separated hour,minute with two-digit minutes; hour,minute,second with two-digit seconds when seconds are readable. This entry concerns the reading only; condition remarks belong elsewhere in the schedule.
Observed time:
8,50
